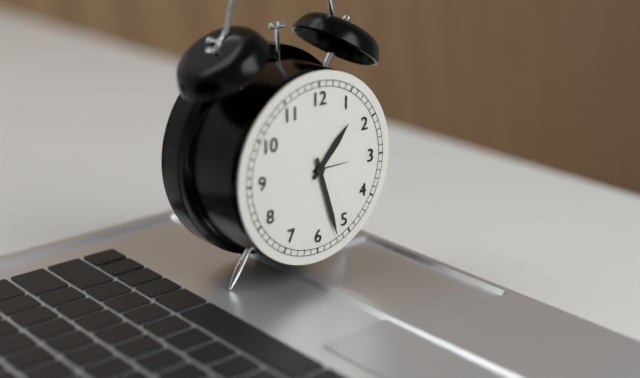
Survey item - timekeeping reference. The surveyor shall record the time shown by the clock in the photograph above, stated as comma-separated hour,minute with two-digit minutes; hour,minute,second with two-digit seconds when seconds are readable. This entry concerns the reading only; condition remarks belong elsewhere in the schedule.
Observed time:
1,27
